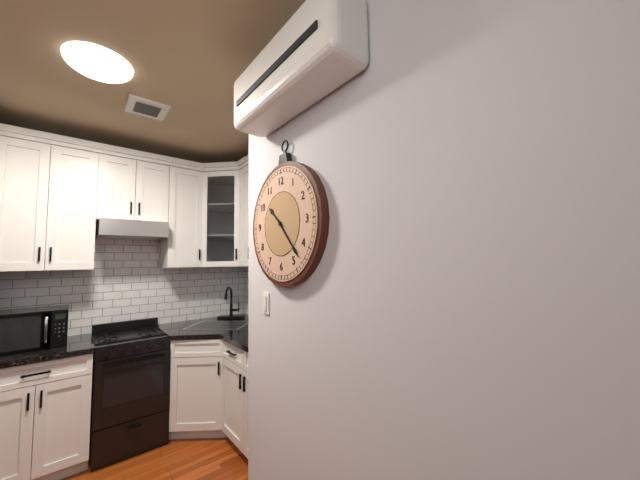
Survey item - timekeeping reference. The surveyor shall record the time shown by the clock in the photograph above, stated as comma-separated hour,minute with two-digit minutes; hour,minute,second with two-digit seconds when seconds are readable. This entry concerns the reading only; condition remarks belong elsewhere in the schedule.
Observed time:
10,23
